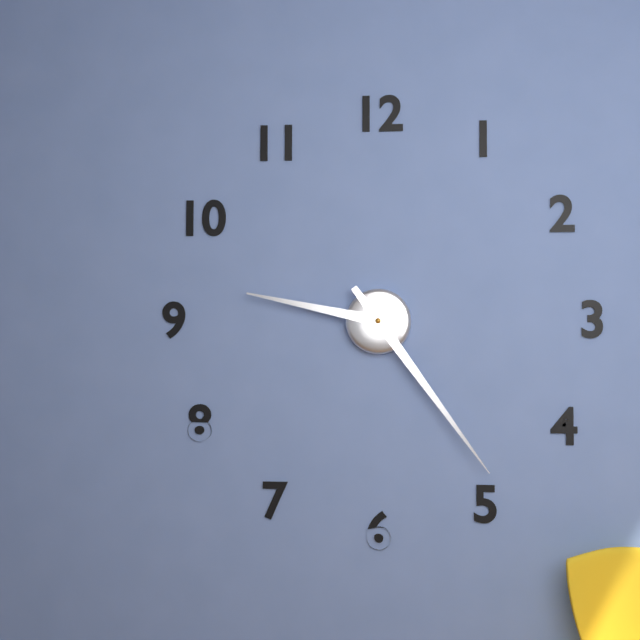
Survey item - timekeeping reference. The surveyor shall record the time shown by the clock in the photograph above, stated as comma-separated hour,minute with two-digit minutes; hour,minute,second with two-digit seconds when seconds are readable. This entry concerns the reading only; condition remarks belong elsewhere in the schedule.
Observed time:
9,24
